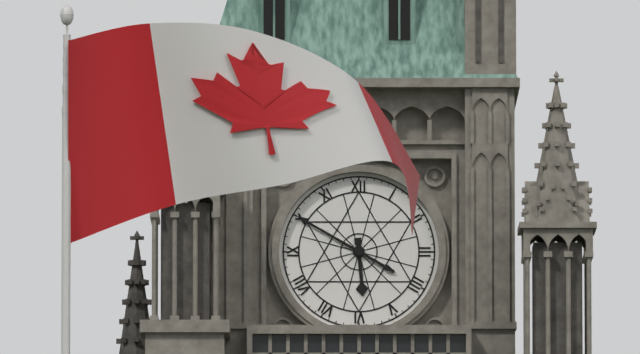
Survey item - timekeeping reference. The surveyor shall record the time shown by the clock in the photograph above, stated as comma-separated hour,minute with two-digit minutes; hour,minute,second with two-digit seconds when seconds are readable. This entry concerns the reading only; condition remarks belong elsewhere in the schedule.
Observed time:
5,50
